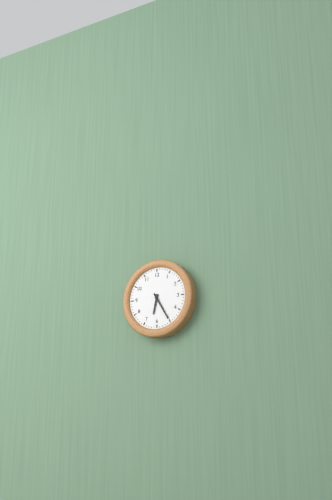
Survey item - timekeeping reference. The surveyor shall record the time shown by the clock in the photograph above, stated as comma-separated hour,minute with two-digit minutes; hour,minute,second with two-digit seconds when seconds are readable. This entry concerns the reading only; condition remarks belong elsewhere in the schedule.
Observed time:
6,25
